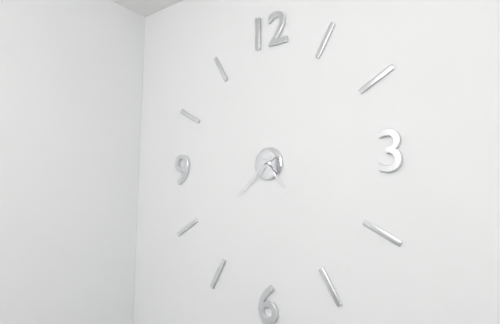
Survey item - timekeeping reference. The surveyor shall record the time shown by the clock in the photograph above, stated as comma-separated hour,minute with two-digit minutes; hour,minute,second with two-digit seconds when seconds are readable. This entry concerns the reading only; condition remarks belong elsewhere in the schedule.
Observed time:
4,38
